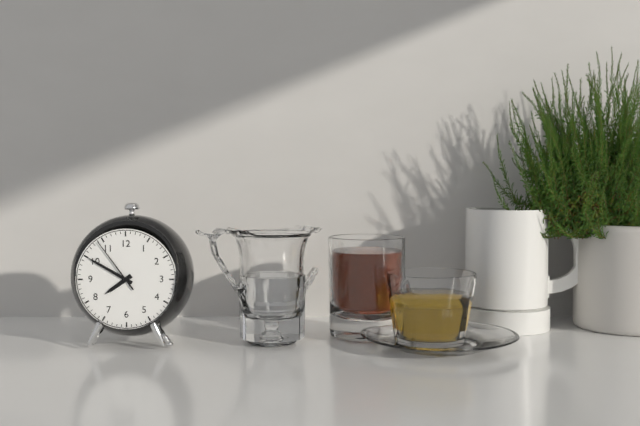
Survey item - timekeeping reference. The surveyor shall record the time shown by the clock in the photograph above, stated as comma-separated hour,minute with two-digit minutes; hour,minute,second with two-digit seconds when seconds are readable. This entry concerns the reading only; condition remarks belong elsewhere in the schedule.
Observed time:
7,50,54
